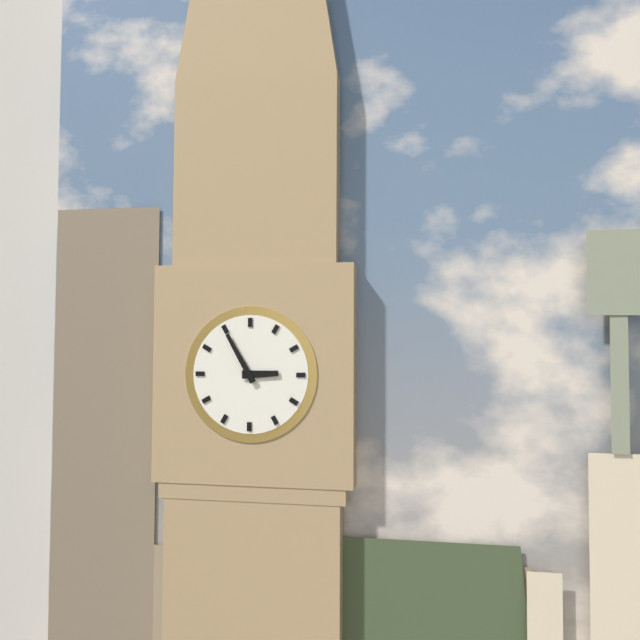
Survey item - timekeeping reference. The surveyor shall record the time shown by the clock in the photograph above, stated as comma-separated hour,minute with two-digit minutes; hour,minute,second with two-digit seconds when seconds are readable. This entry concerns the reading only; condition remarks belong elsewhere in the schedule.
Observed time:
2,55
